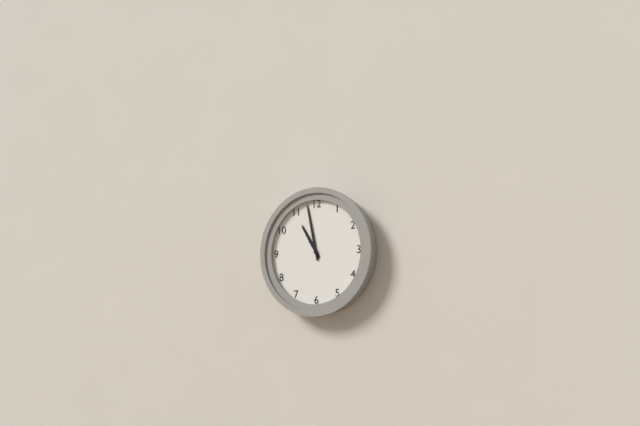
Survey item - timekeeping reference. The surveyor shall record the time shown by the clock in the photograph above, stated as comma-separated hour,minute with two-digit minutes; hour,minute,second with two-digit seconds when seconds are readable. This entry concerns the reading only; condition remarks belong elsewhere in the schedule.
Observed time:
10,58
